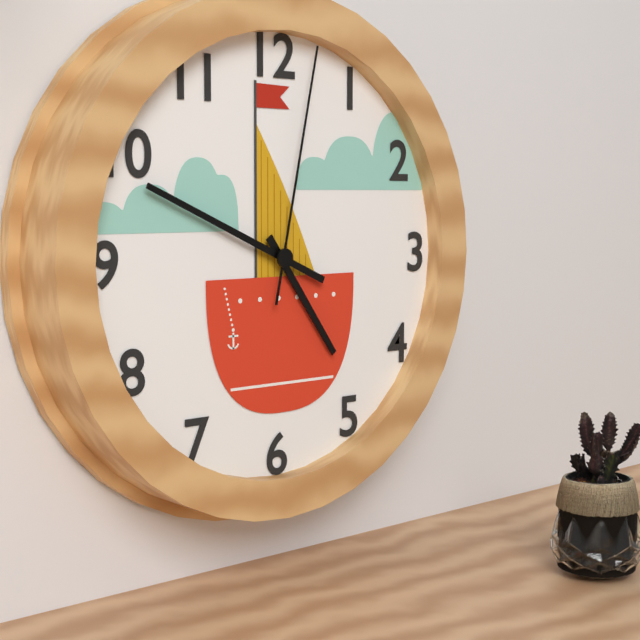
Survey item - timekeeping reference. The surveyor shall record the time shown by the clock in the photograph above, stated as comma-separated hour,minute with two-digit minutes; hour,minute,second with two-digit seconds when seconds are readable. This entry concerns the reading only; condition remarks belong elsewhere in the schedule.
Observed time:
4,49,02
